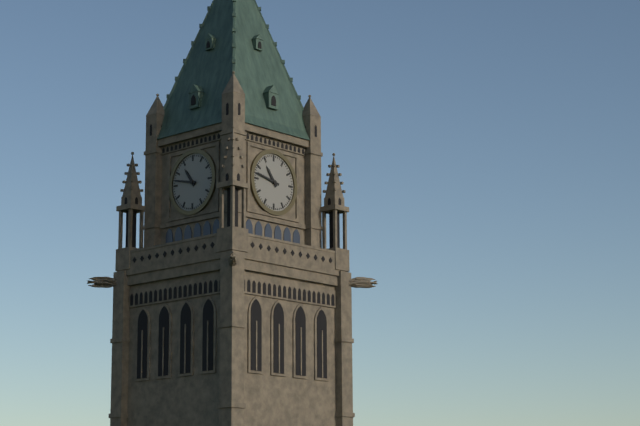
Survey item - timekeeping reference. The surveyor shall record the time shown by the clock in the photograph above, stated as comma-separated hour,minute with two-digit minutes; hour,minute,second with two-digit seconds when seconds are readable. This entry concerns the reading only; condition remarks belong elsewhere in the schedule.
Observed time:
10,47
